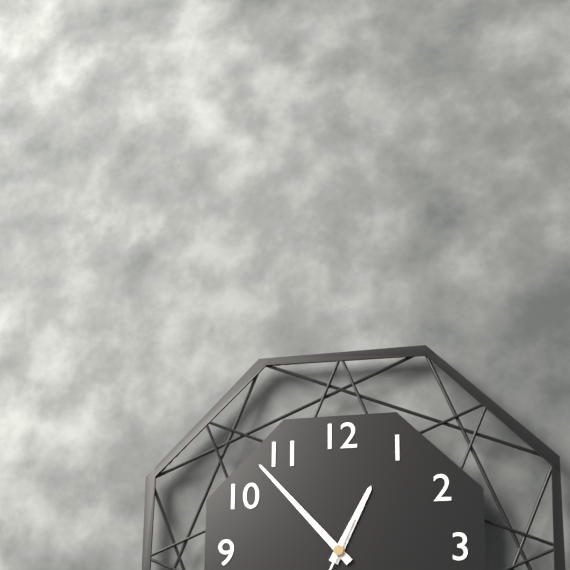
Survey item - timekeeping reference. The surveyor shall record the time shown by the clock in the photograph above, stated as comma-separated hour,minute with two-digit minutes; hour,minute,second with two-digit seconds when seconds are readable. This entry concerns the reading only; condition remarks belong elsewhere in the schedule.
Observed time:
12,53
